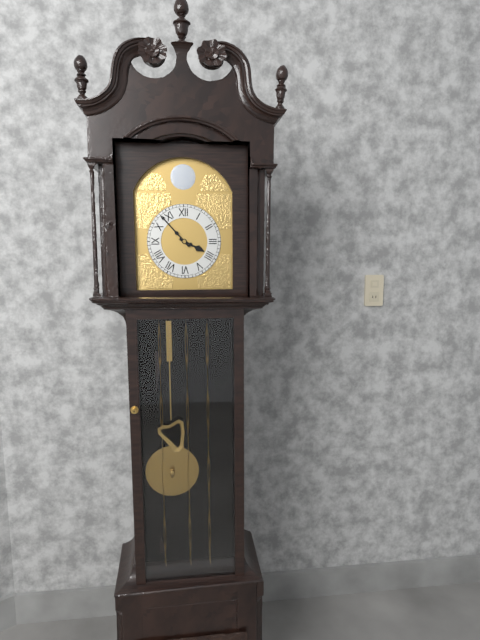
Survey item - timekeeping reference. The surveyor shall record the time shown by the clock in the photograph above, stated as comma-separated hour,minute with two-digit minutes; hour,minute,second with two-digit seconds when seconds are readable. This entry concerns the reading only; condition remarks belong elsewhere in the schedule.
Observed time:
3,53
